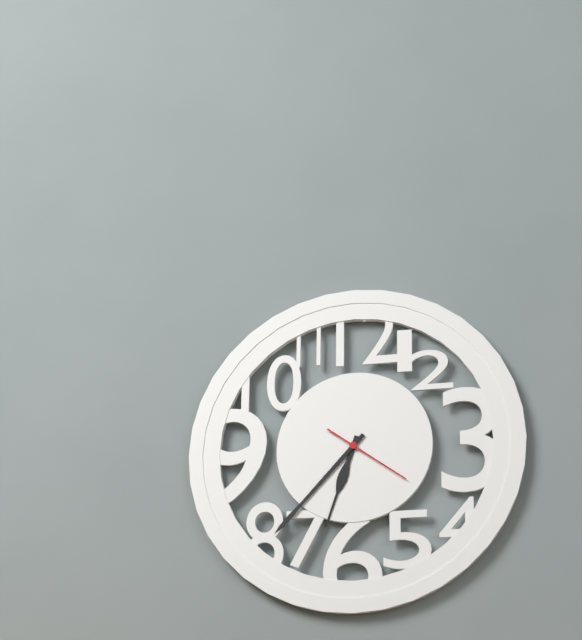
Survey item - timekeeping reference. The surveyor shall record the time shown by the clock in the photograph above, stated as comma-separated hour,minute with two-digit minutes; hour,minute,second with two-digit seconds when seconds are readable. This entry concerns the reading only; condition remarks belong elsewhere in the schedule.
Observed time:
6,37,21
